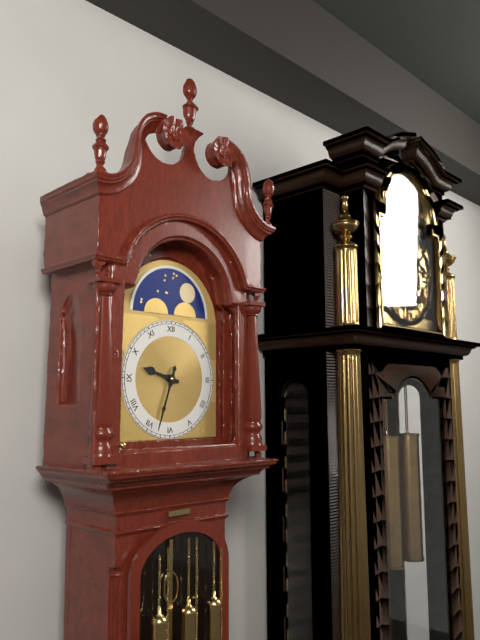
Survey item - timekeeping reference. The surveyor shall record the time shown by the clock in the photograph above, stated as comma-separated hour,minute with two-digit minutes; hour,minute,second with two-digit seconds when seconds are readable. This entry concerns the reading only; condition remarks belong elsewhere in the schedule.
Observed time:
9,33
